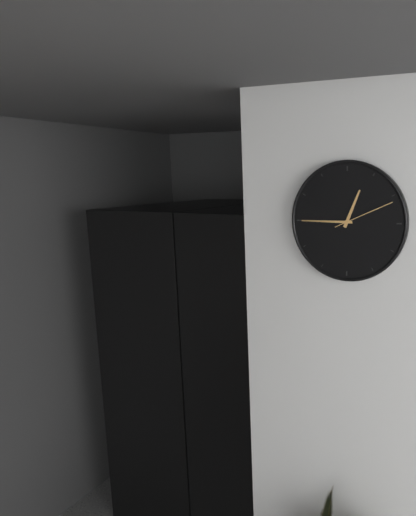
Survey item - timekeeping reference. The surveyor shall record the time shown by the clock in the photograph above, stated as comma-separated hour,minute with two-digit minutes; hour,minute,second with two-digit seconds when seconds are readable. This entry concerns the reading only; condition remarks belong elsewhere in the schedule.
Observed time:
12,45,11
